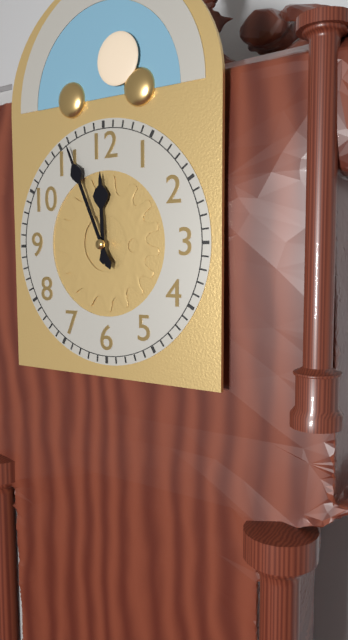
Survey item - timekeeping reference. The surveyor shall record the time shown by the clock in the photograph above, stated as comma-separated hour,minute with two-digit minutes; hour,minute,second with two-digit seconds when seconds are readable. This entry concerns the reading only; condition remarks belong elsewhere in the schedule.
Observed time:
11,56
